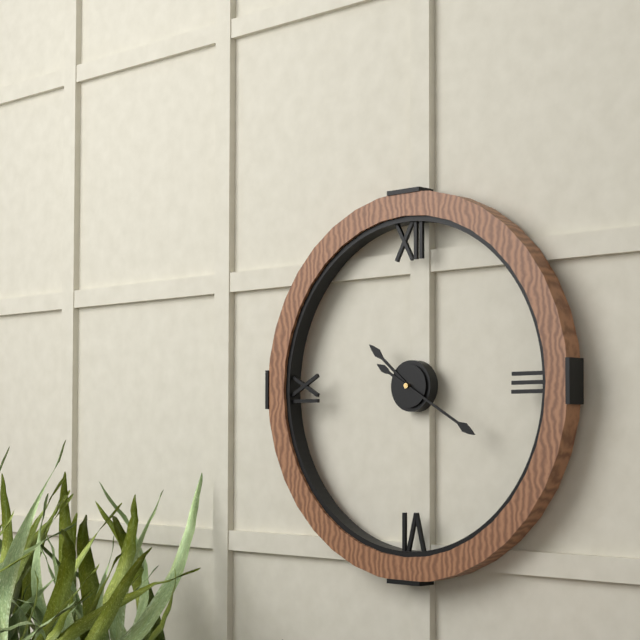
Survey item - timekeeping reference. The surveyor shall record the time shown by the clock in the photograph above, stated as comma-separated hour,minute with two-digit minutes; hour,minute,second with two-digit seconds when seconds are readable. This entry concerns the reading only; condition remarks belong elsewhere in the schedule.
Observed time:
10,20
